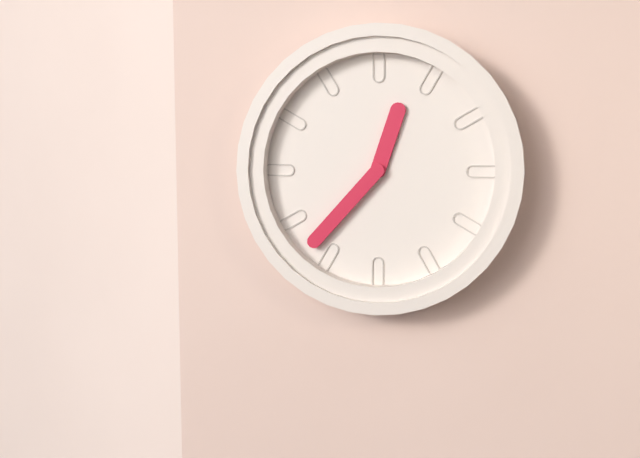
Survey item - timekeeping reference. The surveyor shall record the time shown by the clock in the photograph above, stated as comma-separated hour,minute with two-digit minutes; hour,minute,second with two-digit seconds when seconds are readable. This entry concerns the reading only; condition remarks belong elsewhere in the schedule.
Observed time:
12,37
